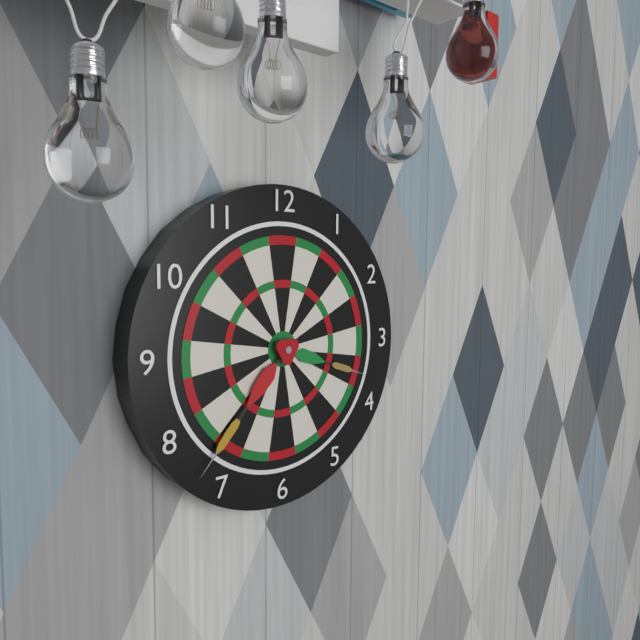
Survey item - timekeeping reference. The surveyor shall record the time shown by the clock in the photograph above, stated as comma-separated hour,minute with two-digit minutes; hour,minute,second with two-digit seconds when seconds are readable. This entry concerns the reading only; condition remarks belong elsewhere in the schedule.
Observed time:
3,37
